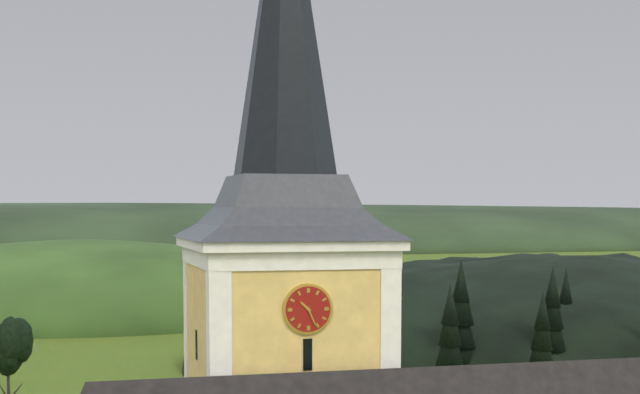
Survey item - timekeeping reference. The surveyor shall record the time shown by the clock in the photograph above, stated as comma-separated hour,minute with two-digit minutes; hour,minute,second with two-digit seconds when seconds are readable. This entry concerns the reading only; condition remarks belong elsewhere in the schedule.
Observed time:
10,26
